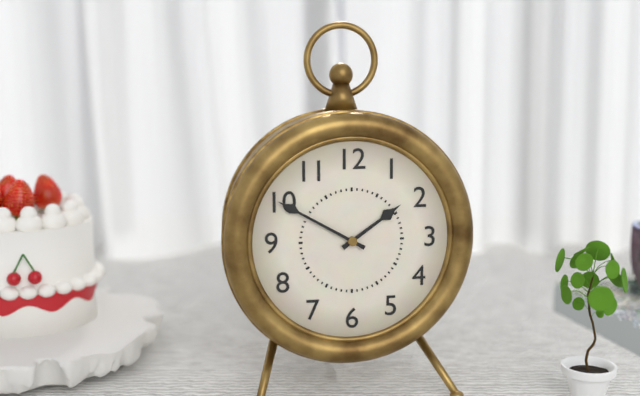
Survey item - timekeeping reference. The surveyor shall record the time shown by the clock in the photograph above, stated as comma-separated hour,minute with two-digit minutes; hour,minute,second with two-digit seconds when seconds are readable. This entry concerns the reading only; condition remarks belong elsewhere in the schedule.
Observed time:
1,50
